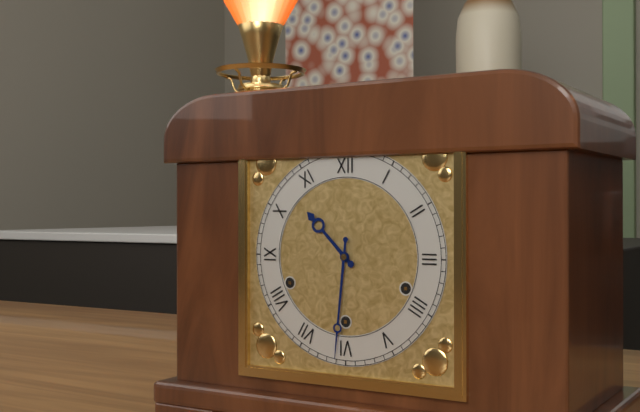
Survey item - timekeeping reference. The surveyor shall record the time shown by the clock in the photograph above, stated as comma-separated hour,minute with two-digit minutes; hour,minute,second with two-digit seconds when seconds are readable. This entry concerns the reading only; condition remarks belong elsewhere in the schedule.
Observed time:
10,31
